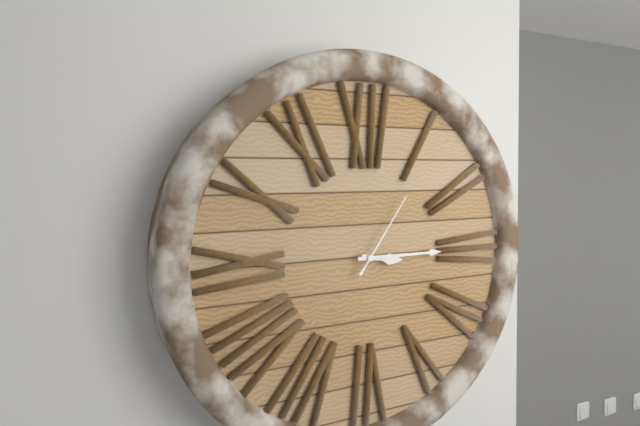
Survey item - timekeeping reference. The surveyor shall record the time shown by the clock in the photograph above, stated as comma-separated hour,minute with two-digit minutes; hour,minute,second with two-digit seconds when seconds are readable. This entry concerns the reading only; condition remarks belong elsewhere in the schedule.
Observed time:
3,15,06
